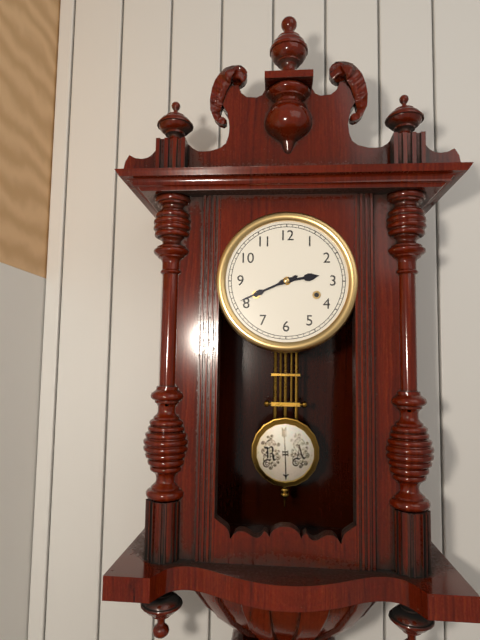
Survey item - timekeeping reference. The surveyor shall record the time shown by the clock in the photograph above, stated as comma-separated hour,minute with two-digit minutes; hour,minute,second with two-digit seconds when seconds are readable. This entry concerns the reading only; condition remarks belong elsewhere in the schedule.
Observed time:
2,41
